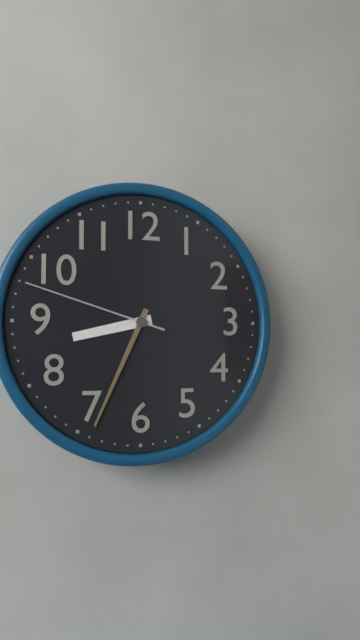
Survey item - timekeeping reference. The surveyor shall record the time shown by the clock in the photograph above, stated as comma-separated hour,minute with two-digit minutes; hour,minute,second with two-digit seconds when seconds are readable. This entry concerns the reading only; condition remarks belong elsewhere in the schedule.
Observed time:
8,34,48
